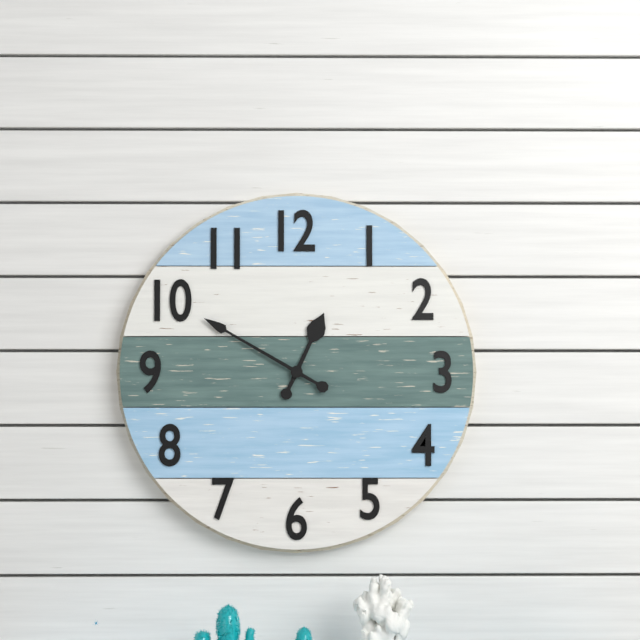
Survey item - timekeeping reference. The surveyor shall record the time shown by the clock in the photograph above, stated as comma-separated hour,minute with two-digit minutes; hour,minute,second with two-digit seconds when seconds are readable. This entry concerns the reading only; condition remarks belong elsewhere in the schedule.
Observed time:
12,50
